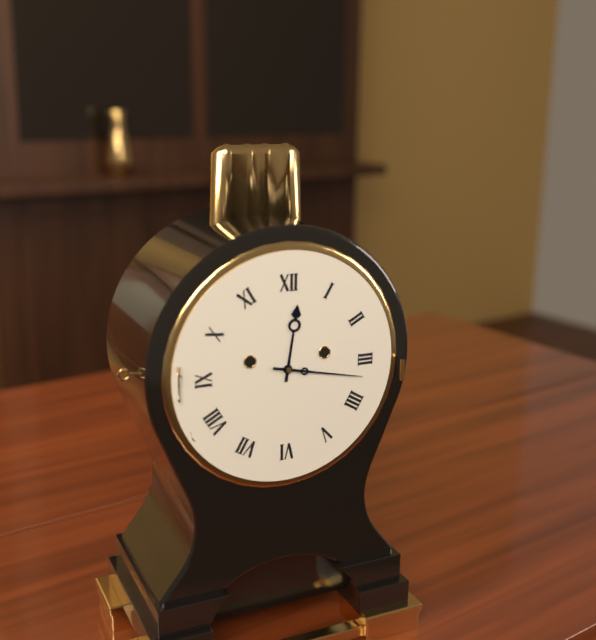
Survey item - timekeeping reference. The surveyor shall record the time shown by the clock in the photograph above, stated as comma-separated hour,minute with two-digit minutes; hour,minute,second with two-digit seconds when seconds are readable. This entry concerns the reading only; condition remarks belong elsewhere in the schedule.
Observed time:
12,17
